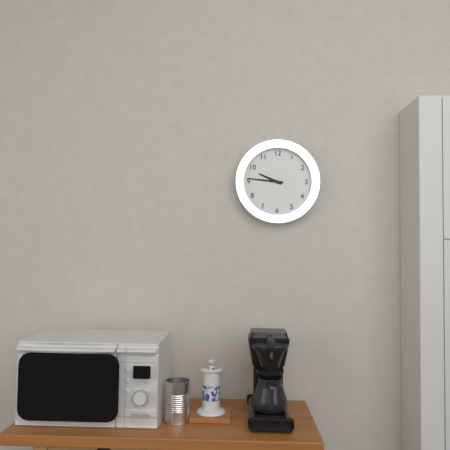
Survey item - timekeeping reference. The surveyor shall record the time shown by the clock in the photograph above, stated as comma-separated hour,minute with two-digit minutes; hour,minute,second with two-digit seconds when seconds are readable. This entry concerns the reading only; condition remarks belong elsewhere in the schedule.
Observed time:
9,46
